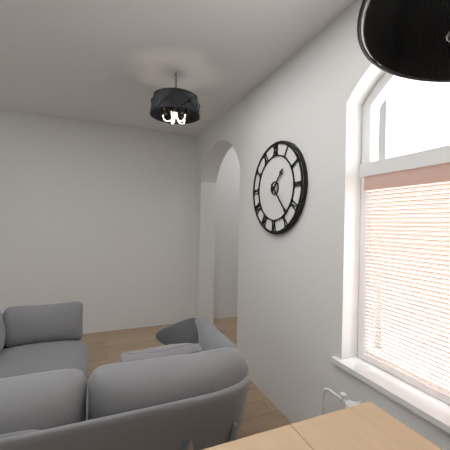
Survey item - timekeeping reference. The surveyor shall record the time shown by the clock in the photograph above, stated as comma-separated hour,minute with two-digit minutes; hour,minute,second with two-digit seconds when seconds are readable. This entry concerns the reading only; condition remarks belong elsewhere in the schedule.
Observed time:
1,23
